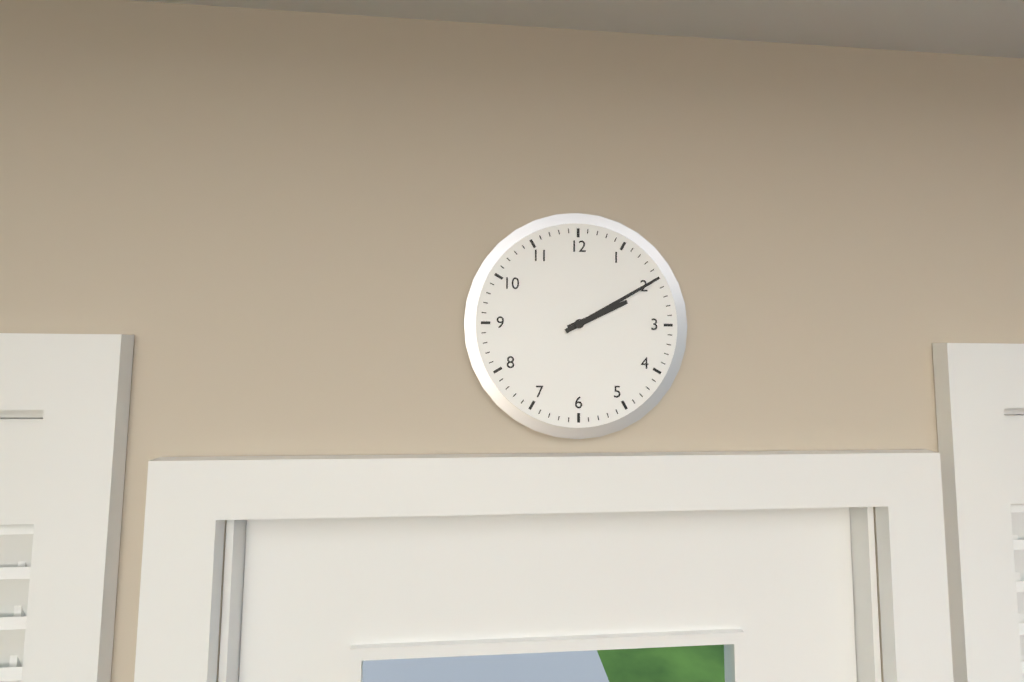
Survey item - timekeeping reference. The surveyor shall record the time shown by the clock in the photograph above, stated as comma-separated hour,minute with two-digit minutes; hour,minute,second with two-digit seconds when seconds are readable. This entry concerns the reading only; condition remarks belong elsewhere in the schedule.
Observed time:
2,10
